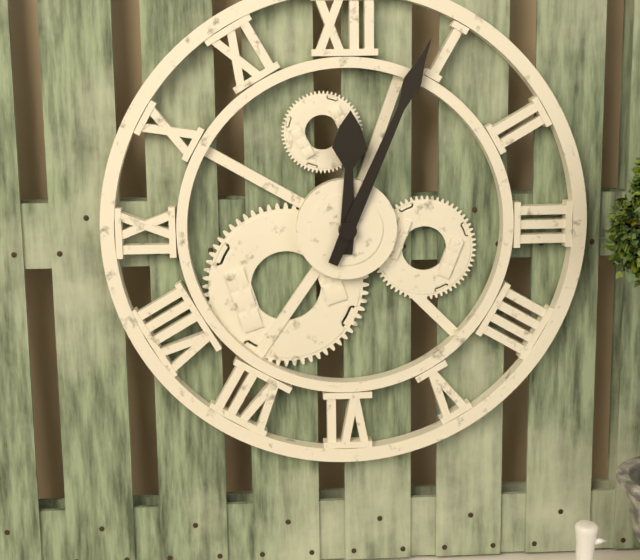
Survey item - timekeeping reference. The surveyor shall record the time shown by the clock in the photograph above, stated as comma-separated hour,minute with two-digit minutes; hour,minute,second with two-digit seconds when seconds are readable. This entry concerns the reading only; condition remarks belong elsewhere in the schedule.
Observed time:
12,04
